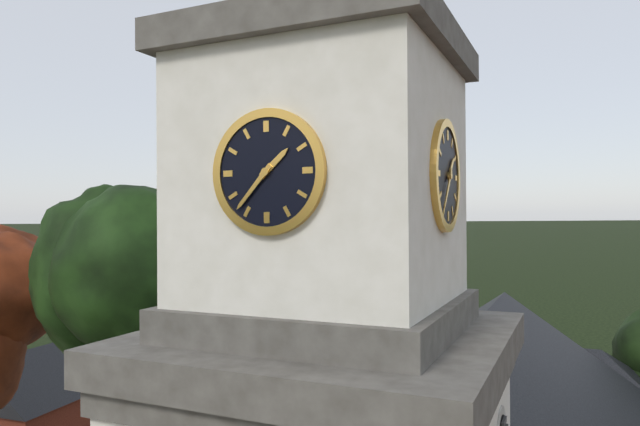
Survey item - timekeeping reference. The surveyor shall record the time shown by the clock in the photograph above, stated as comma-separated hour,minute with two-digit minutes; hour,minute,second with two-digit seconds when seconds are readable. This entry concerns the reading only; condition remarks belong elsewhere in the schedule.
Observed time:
1,37
